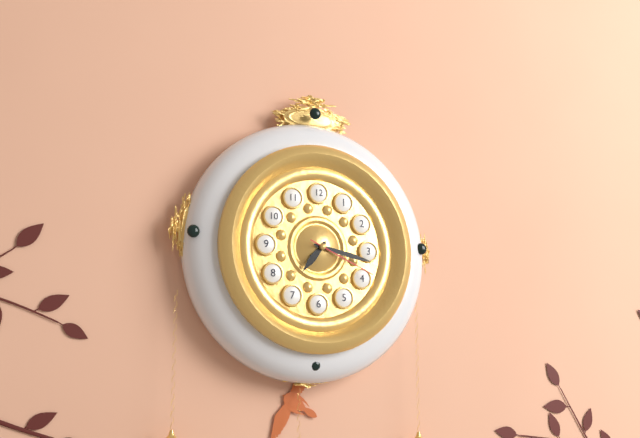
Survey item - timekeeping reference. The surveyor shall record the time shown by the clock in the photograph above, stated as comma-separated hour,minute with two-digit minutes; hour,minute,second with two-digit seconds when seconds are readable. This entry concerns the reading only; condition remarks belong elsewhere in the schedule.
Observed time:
7,17,19
